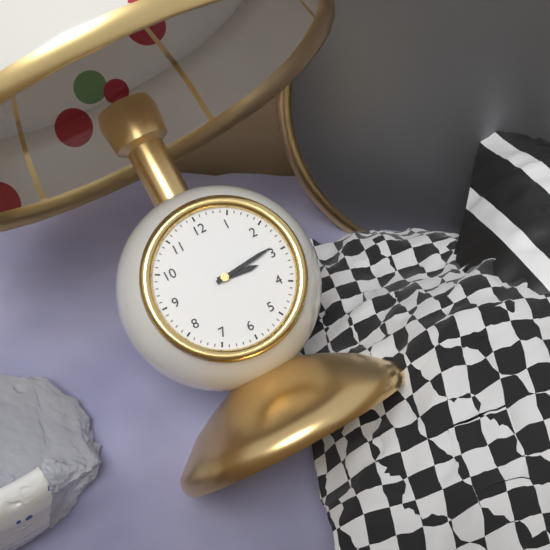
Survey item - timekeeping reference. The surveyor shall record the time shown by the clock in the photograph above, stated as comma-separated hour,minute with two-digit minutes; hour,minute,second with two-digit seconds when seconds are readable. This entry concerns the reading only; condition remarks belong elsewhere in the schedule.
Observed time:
3,14
